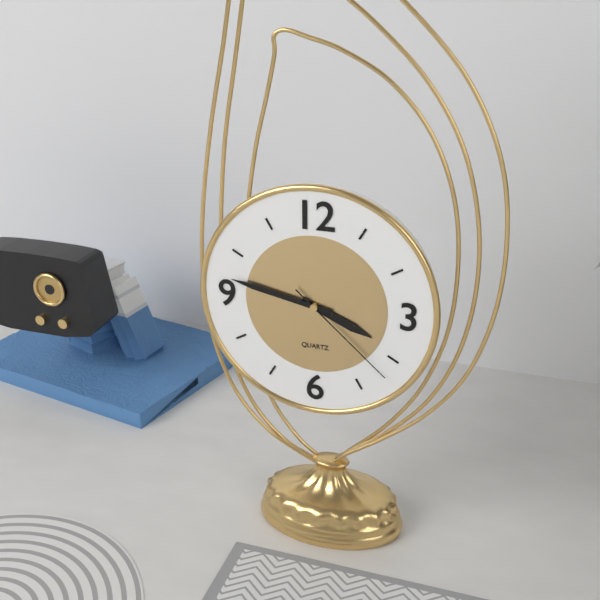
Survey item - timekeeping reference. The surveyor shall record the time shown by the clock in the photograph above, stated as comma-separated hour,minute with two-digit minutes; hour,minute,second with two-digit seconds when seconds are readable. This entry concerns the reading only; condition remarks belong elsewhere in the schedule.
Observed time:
3,47,22
